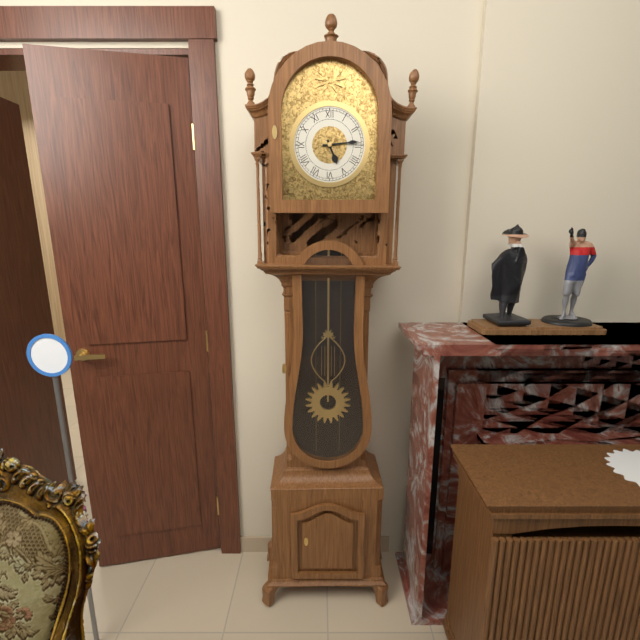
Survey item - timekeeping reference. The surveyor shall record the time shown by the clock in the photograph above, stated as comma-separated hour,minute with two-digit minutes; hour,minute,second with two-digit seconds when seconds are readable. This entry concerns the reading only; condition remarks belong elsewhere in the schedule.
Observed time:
5,14
